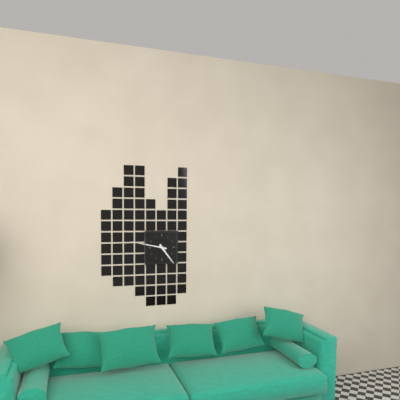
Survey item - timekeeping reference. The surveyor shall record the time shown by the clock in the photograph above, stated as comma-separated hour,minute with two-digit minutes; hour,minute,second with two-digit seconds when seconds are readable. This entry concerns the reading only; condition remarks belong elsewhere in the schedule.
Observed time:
4,47
